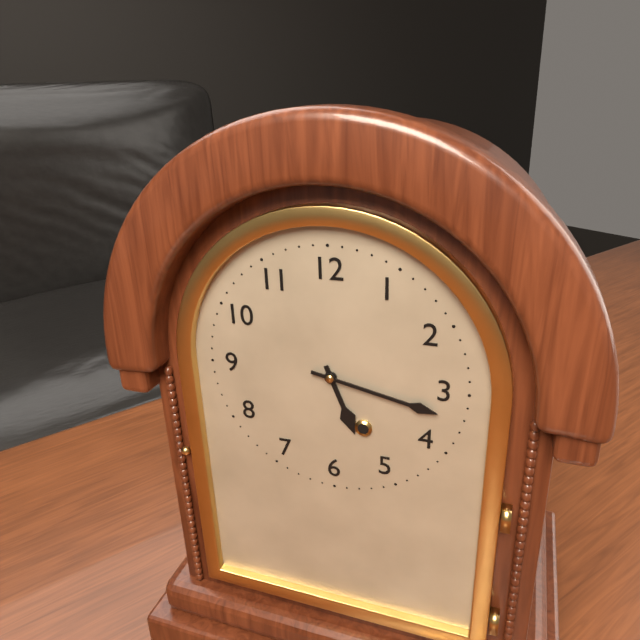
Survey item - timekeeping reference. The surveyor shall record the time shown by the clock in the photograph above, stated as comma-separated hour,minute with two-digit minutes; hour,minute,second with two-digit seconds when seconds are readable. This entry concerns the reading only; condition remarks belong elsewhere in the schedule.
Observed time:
5,17
